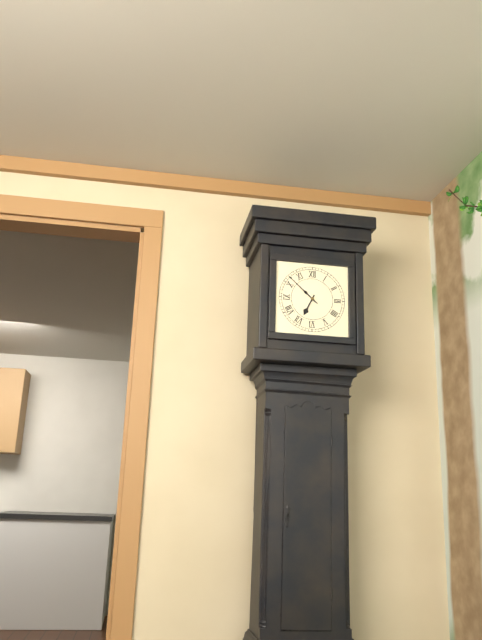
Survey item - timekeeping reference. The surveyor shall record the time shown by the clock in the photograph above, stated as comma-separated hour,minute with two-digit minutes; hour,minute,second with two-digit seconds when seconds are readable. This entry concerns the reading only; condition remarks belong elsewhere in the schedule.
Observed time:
6,52
